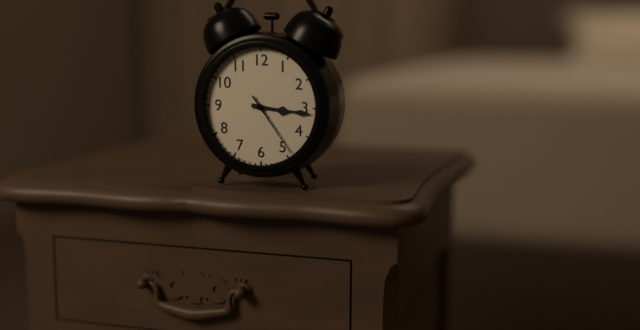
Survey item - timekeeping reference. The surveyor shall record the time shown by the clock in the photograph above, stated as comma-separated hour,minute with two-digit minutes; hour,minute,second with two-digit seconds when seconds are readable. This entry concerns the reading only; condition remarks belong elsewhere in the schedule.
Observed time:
3,16,24
